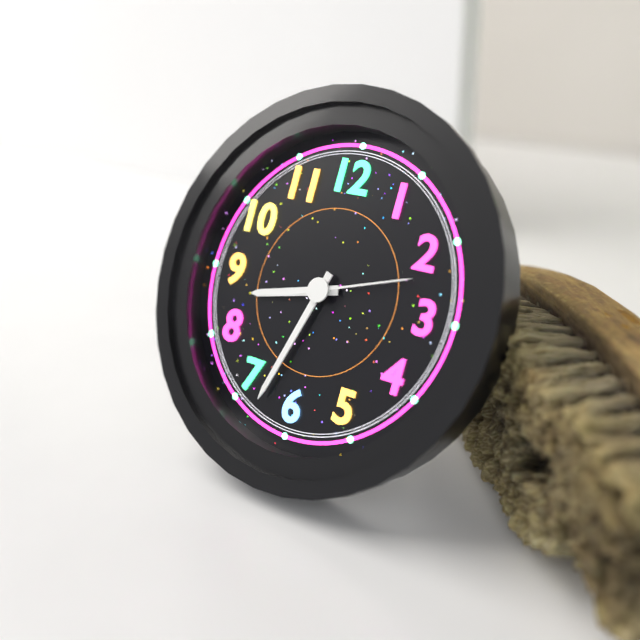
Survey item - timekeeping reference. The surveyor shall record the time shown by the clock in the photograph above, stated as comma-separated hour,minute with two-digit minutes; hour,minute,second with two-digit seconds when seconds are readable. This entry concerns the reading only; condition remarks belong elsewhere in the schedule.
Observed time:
8,33,12
